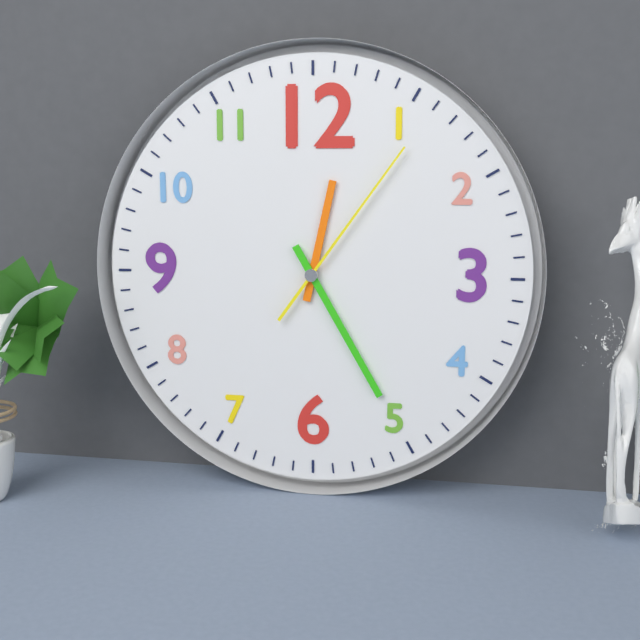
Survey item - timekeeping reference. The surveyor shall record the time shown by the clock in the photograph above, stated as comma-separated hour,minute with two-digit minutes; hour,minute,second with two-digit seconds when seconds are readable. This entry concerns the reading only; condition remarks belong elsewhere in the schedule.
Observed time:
12,25,06
